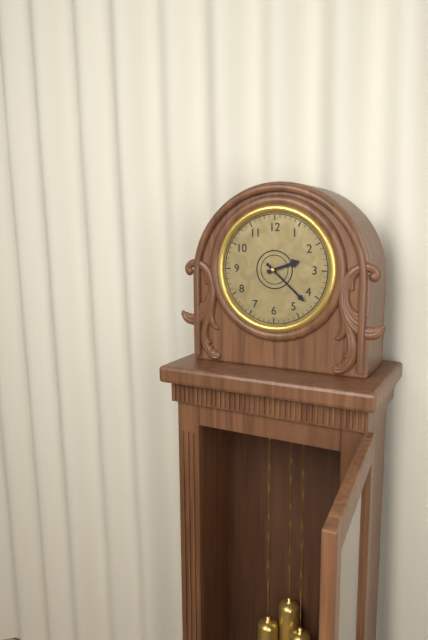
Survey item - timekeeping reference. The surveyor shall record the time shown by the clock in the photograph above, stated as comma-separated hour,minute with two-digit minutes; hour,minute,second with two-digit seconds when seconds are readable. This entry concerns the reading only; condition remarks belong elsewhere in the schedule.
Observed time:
2,22
